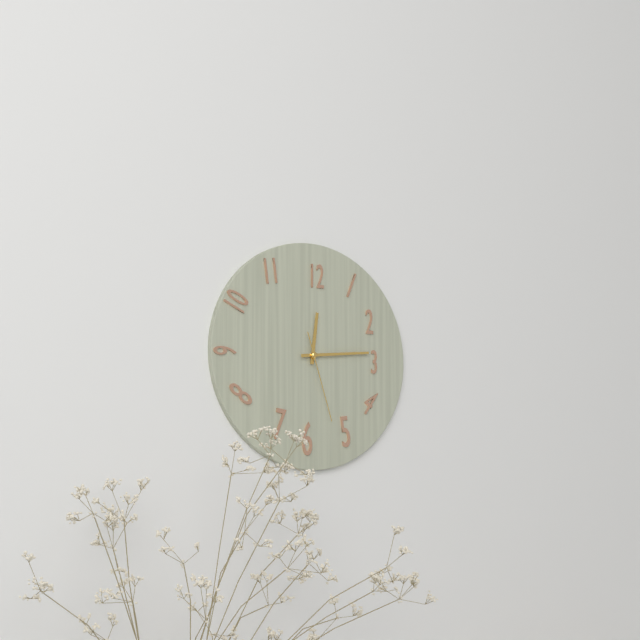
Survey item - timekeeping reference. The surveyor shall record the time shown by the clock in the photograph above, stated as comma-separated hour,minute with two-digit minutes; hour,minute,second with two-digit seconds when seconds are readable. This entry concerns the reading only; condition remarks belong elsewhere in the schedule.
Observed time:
12,14,27
